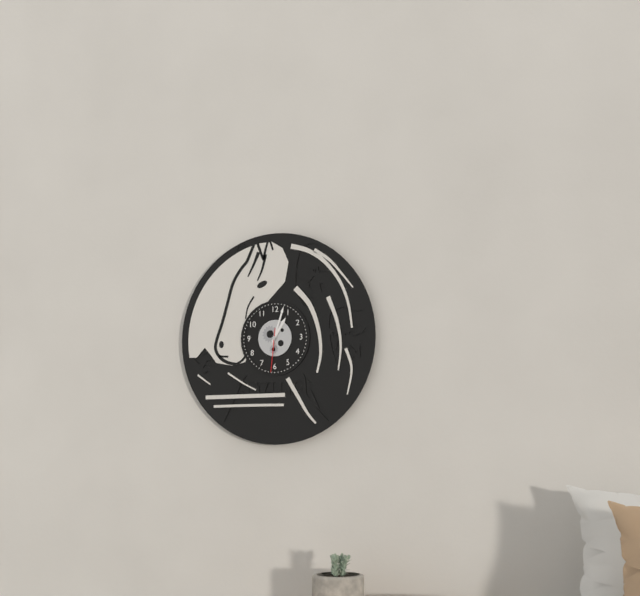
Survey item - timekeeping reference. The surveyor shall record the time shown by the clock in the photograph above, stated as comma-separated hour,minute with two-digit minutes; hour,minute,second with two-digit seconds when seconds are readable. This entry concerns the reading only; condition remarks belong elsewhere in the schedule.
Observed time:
1,03
